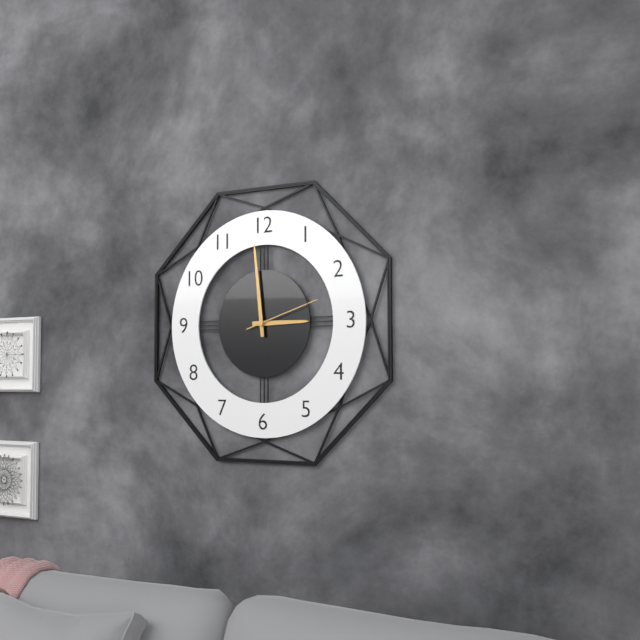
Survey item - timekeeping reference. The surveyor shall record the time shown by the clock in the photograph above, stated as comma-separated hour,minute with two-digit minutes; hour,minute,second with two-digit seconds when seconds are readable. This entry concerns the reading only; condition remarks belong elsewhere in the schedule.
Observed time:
2,59,12
